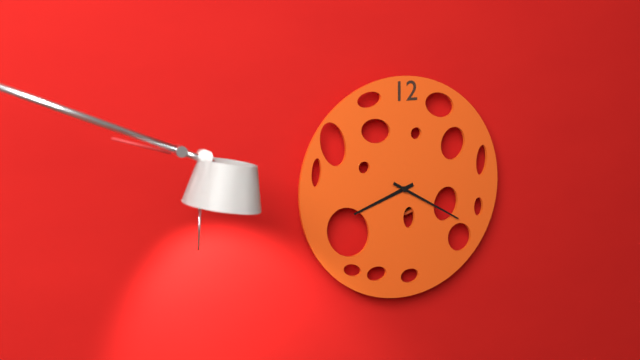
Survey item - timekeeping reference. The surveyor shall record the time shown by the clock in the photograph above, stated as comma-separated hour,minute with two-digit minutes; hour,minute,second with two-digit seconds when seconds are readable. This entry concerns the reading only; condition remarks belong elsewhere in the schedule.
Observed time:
8,20
